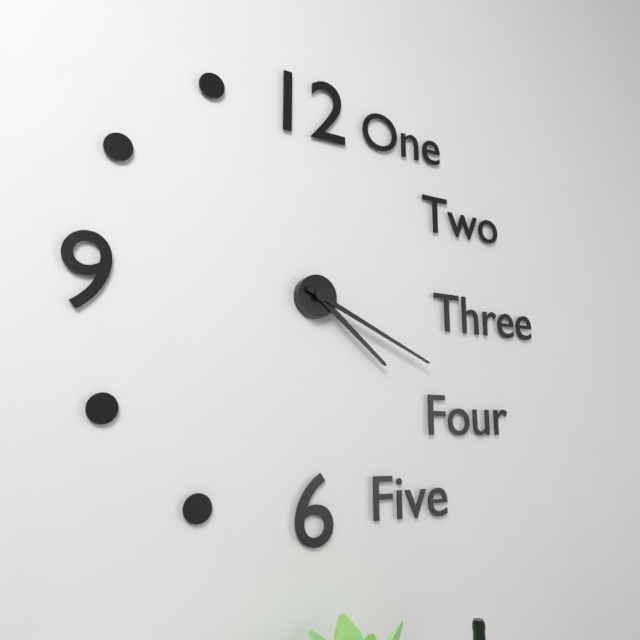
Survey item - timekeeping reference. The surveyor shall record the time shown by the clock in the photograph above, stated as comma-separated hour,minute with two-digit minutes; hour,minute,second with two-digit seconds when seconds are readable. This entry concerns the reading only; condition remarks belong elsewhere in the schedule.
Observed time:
4,19
